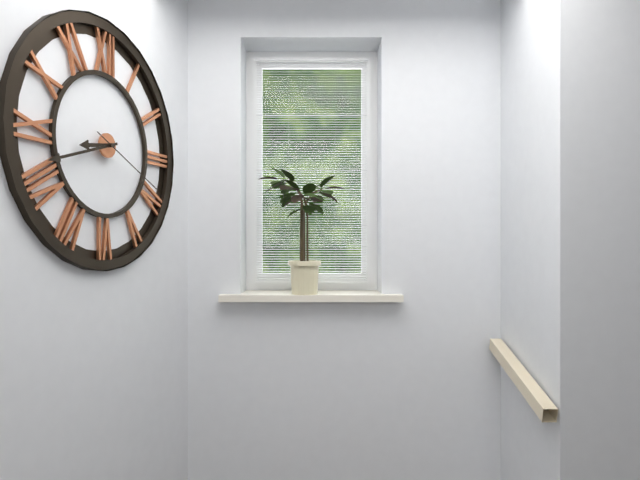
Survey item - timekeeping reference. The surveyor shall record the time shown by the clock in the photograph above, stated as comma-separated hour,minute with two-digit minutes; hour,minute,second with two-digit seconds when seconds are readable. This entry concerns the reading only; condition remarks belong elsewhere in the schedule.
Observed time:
8,42,19
